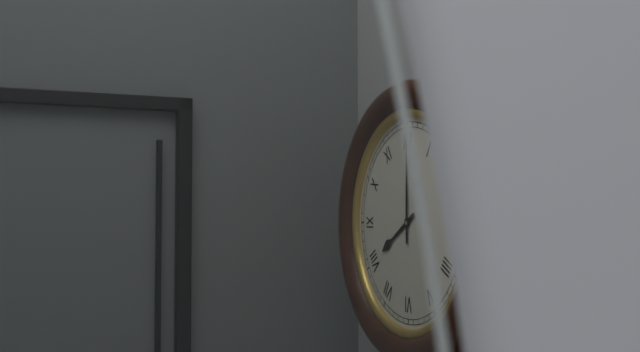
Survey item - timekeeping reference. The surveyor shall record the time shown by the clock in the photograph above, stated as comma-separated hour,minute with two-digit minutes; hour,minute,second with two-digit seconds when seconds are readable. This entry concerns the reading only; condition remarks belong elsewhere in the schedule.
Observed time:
8,00
